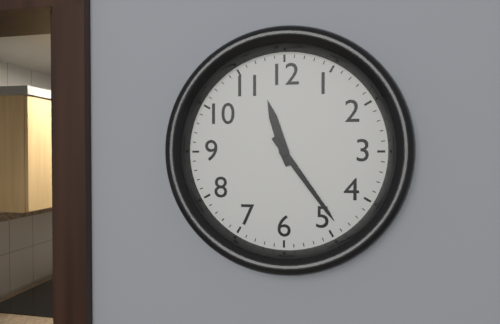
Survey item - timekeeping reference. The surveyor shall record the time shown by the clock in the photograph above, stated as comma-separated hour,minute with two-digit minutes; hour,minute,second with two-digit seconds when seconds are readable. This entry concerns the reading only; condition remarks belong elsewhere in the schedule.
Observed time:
11,24
